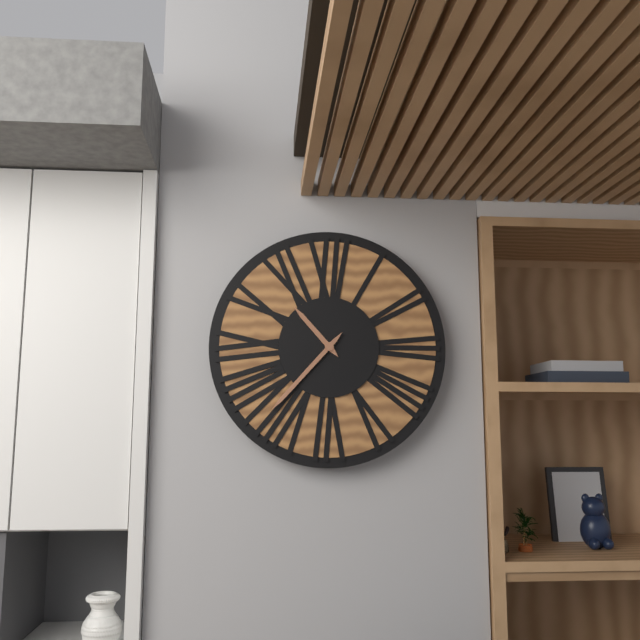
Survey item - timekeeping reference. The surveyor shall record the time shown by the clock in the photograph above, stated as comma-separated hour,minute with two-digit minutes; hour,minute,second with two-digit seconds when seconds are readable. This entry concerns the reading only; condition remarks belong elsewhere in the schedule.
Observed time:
10,37
